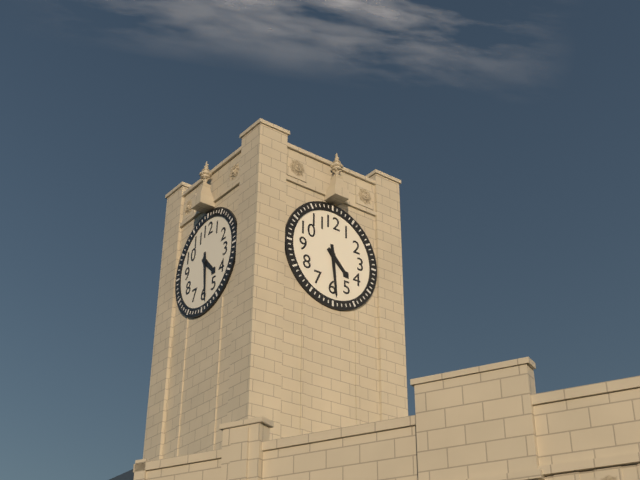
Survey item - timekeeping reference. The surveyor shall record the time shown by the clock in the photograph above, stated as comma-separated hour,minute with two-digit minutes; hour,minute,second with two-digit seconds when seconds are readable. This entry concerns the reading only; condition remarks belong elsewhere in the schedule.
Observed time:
4,29
